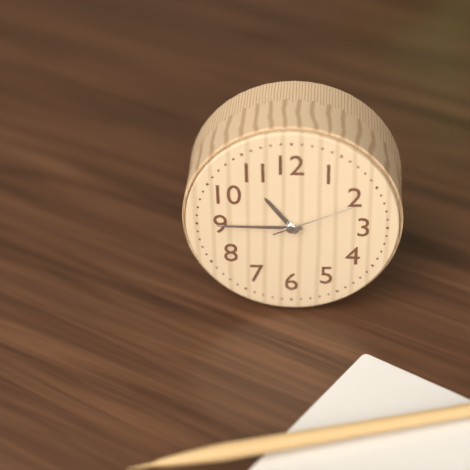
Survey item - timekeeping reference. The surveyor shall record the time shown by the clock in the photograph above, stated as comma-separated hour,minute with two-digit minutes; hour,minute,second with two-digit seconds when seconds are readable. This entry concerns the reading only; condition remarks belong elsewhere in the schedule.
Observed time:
10,45,11
